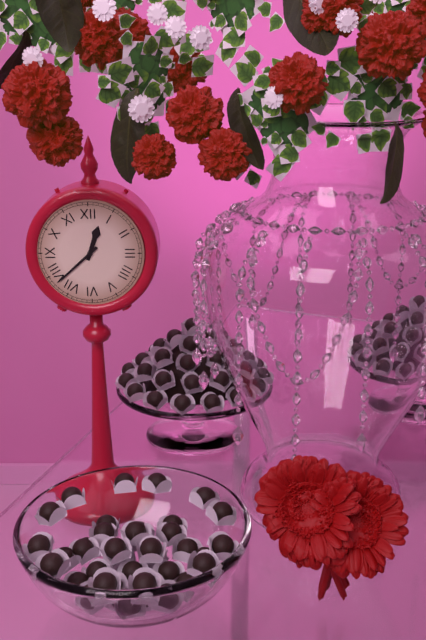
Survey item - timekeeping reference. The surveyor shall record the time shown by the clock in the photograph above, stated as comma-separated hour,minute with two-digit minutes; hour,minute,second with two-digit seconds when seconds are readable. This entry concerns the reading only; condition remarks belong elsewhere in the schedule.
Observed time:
12,38
